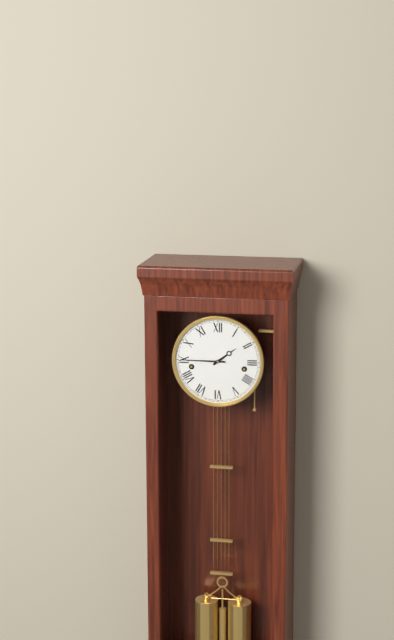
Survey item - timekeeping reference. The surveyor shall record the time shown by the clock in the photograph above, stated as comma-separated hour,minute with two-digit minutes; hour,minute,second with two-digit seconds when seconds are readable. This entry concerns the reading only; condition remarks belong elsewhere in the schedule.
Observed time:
1,45
